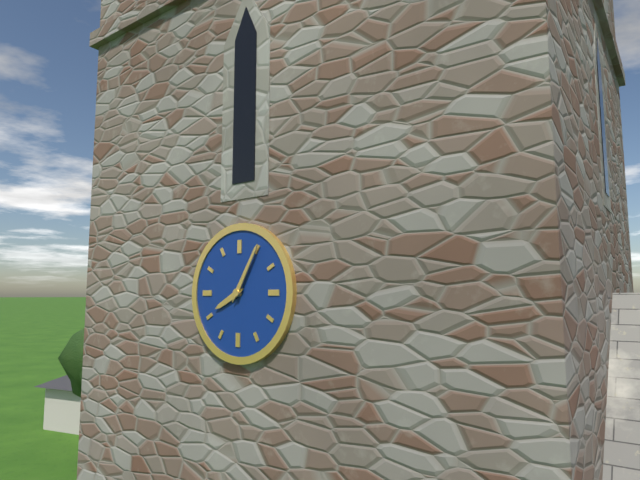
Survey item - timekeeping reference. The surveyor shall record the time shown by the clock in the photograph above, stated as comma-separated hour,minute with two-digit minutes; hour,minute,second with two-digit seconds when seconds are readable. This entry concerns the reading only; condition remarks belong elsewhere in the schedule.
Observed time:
8,05
